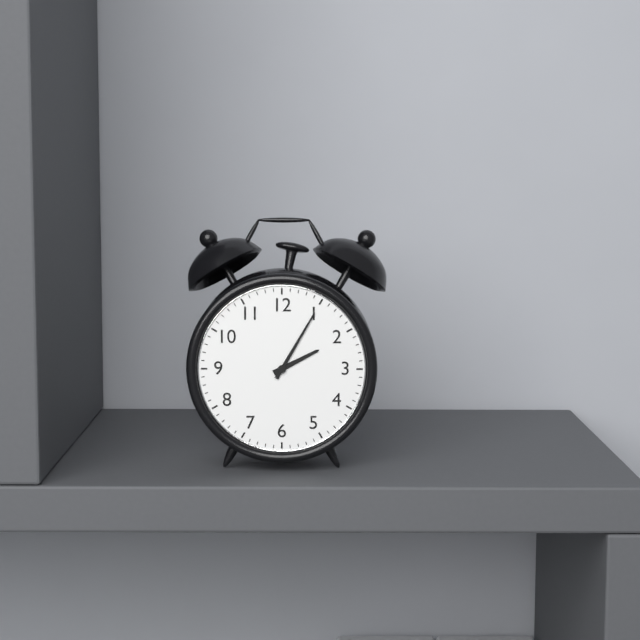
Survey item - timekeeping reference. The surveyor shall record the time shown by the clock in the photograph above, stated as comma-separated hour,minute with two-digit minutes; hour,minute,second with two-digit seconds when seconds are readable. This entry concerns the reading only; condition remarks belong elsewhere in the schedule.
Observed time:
2,05
